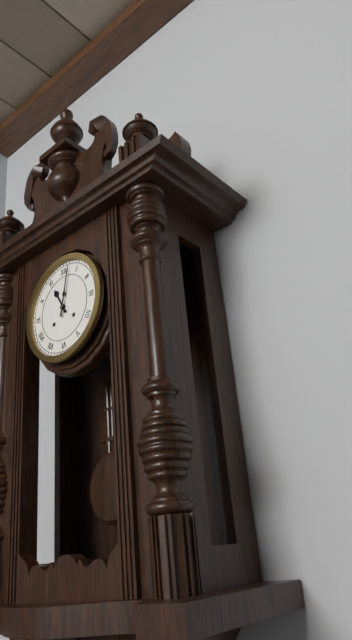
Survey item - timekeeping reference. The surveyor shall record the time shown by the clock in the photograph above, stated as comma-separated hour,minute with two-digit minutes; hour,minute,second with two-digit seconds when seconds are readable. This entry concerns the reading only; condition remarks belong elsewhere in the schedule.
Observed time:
11,02
